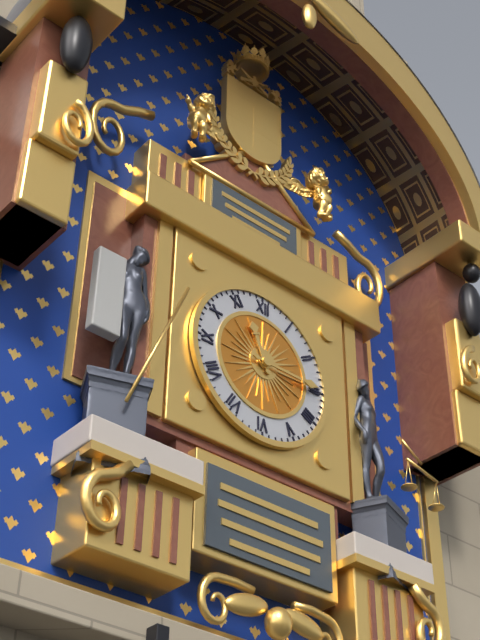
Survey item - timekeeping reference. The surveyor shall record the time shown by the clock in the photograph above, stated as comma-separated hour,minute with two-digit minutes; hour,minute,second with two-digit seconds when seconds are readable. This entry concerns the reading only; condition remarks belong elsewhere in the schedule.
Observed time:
11,15
